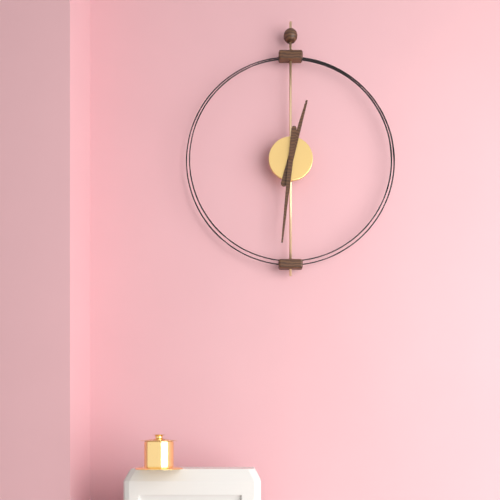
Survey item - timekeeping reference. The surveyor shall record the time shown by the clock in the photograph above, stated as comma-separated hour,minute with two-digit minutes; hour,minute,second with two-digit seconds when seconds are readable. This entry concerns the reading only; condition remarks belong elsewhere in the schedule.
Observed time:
12,31
